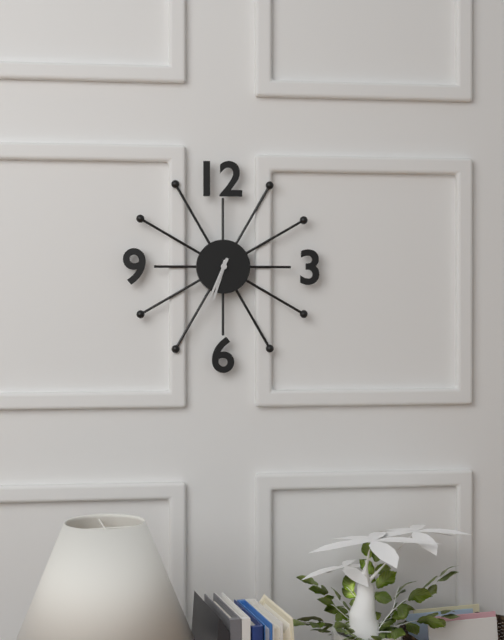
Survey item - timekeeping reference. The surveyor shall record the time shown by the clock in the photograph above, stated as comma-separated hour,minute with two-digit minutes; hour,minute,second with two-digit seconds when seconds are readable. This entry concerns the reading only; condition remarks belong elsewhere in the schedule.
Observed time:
6,34
